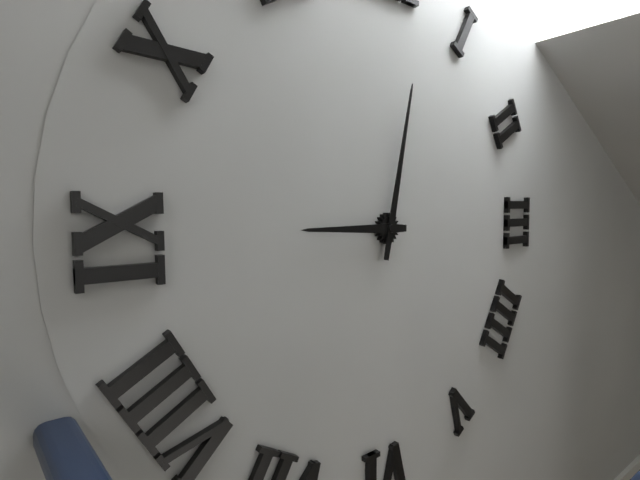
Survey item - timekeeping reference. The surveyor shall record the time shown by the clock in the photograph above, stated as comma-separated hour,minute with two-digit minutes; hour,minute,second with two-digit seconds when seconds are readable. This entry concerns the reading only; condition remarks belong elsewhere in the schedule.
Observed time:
9,02
